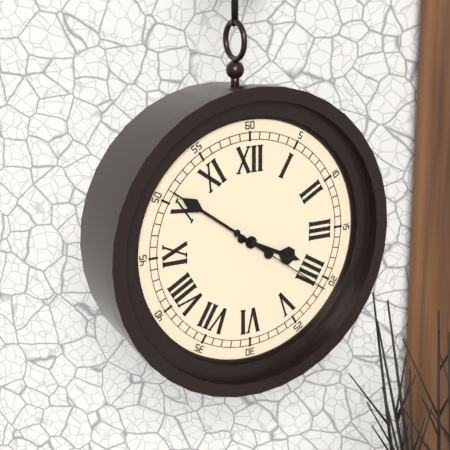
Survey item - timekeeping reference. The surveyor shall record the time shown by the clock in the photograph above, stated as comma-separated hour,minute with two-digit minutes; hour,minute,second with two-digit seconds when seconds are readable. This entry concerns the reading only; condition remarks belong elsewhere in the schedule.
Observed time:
3,51,21
